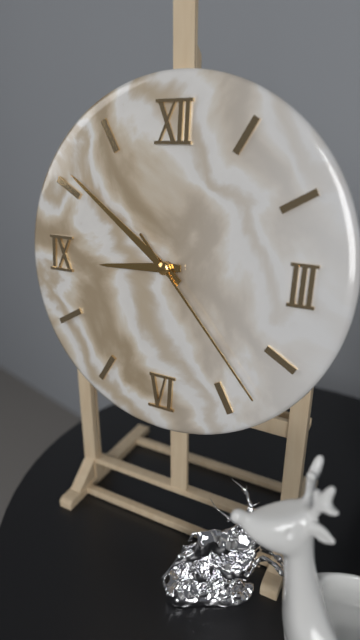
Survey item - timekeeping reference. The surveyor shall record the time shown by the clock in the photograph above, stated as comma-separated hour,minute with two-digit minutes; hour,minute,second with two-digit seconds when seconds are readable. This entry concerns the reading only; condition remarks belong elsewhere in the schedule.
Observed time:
8,51,23
